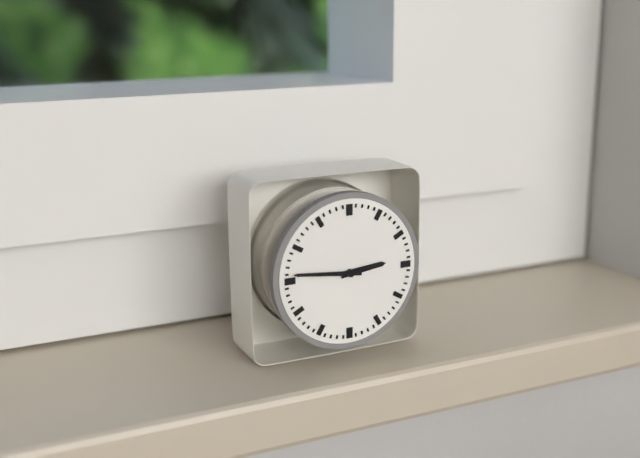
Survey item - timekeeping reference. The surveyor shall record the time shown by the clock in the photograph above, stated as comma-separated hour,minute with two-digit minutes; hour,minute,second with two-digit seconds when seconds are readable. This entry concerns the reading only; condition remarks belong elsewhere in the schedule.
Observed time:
2,46
